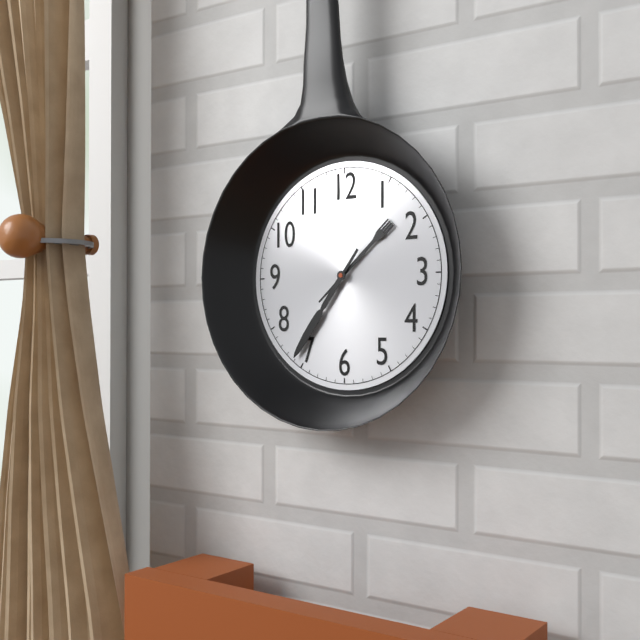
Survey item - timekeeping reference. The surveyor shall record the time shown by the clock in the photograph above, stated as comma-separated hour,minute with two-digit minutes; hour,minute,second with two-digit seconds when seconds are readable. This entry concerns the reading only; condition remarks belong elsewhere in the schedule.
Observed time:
1,36
